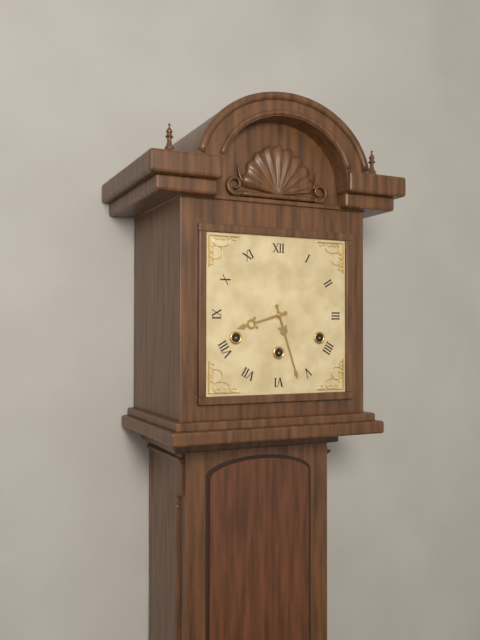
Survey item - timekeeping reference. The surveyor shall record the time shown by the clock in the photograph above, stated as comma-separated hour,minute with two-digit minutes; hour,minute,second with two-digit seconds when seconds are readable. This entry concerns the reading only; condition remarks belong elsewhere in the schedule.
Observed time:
8,27
